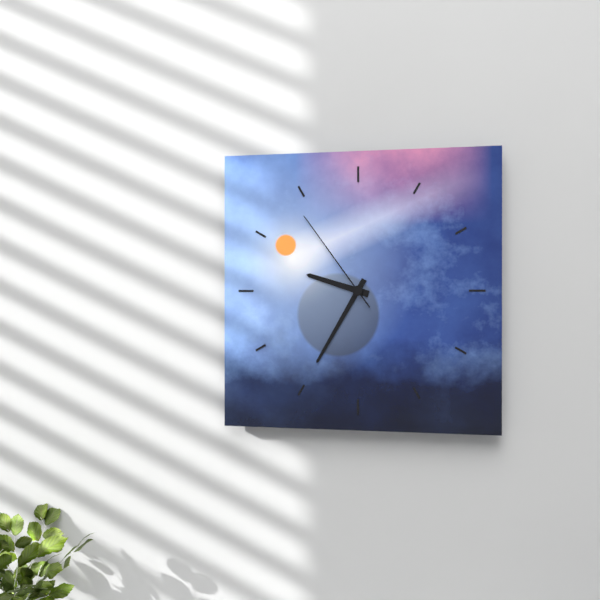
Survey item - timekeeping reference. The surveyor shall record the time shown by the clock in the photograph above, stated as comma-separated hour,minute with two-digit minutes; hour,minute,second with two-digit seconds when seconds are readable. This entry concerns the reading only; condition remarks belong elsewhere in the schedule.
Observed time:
9,35,54
